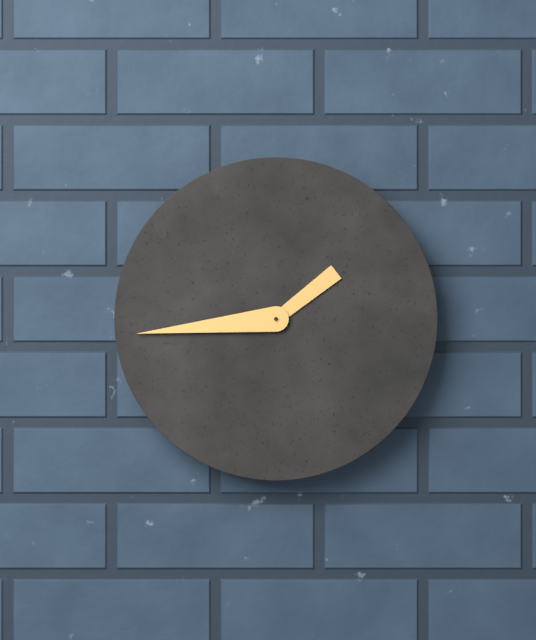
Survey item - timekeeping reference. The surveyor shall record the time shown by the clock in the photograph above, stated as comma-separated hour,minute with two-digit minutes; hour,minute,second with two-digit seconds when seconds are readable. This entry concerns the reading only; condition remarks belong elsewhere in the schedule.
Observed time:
1,44
